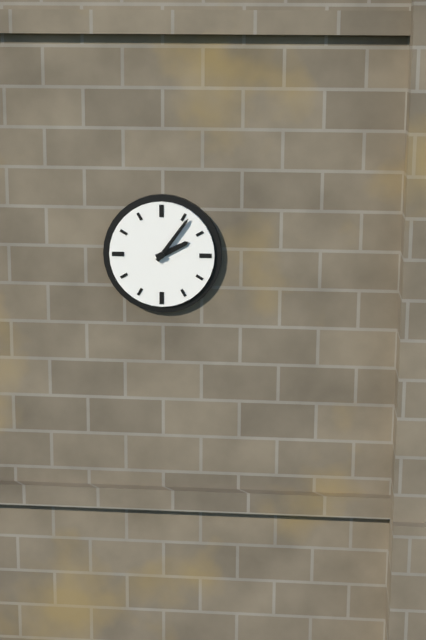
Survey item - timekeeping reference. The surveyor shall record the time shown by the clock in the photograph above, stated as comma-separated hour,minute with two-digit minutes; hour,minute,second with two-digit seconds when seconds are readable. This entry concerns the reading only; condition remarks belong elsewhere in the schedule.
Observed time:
2,06
